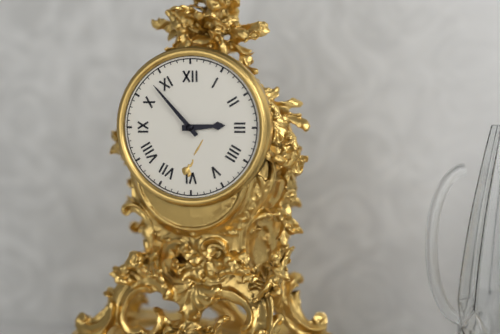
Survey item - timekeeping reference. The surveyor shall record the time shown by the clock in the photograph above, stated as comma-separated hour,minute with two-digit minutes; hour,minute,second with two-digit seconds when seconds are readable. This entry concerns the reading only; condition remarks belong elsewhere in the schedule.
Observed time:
2,53
